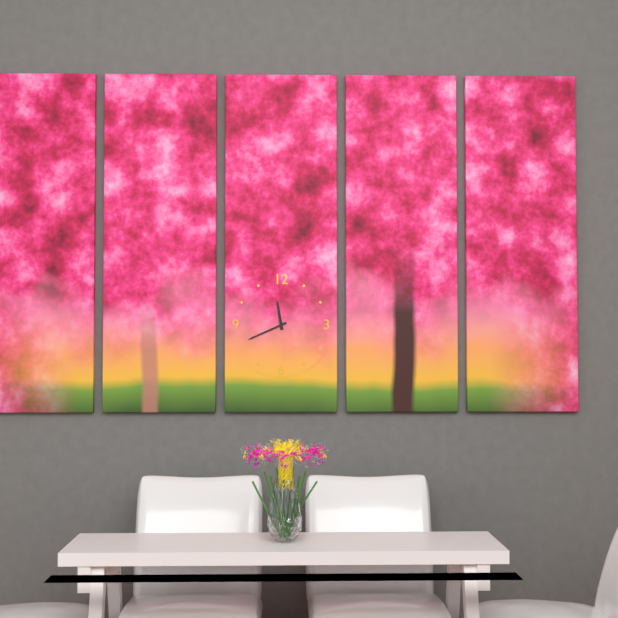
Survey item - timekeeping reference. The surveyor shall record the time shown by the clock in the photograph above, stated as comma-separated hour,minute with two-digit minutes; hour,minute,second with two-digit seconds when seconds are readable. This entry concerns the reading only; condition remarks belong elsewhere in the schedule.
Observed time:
11,41
